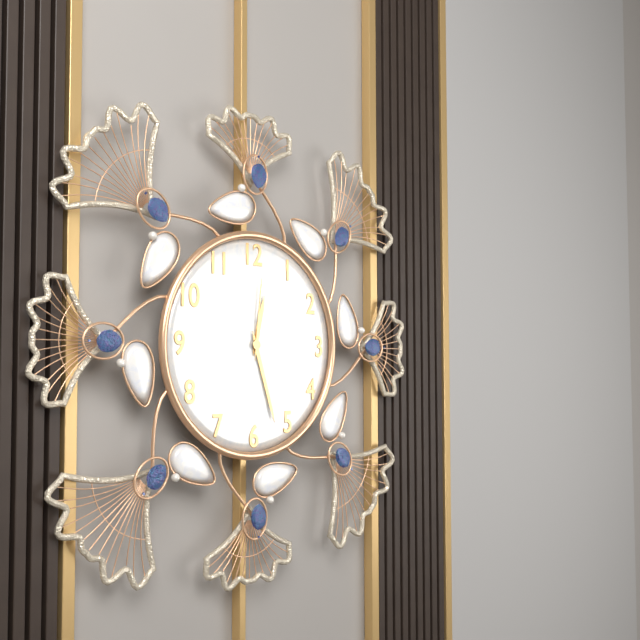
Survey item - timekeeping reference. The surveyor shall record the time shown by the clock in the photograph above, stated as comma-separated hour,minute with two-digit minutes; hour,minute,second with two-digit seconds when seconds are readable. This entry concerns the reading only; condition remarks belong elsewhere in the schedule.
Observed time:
12,27,01
